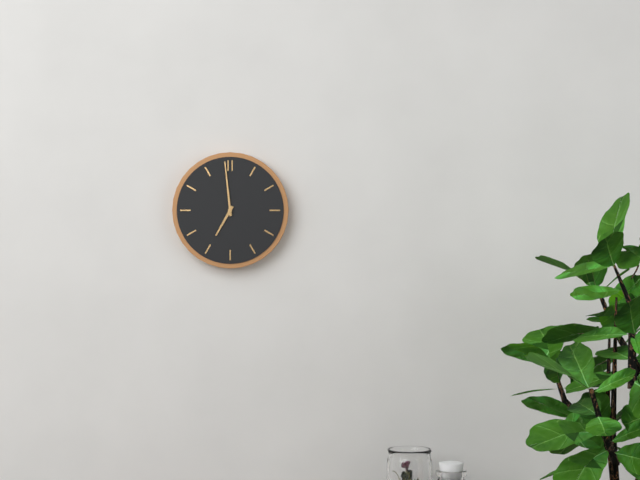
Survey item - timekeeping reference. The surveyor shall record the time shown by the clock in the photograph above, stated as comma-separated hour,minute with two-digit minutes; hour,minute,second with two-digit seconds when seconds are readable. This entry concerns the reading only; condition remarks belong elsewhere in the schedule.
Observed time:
6,59
